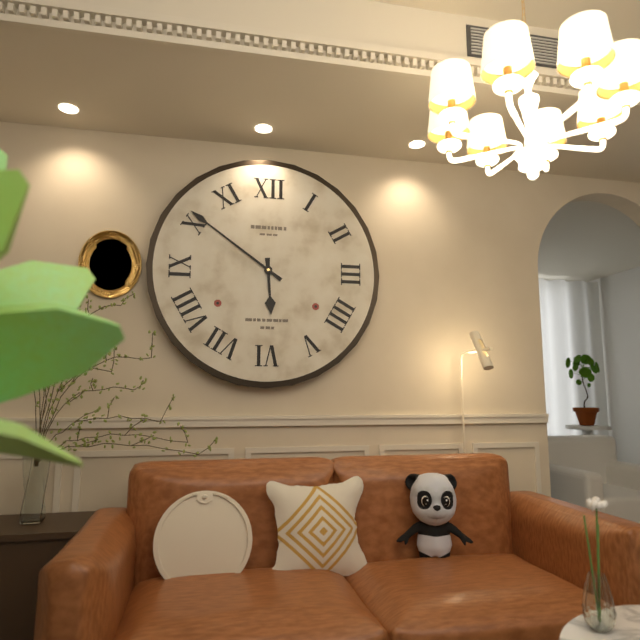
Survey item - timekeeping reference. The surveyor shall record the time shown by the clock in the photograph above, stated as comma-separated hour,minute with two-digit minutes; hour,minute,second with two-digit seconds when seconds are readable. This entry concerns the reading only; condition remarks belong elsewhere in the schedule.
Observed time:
5,51
